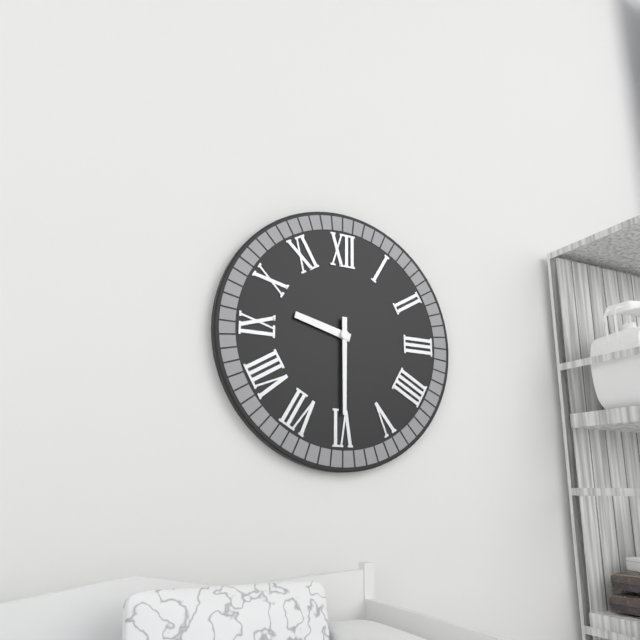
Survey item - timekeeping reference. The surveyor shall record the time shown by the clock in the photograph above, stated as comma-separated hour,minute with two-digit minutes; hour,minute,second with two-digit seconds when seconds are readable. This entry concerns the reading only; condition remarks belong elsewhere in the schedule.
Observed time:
9,30
